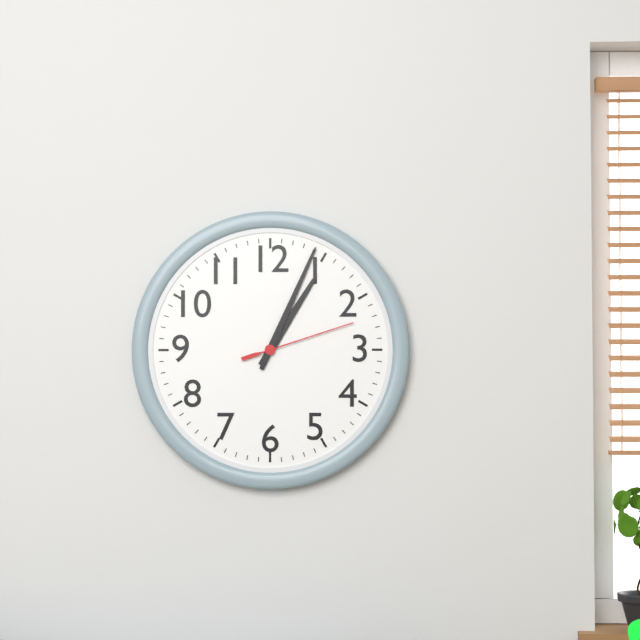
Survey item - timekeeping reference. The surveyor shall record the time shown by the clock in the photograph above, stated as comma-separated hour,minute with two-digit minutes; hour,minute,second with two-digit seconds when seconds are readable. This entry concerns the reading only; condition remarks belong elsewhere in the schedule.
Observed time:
1,04,12
